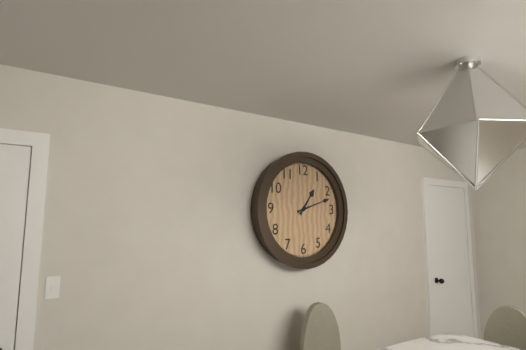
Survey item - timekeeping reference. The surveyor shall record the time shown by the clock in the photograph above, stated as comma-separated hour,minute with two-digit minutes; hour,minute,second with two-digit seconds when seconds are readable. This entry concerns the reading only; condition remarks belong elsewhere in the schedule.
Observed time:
1,12
